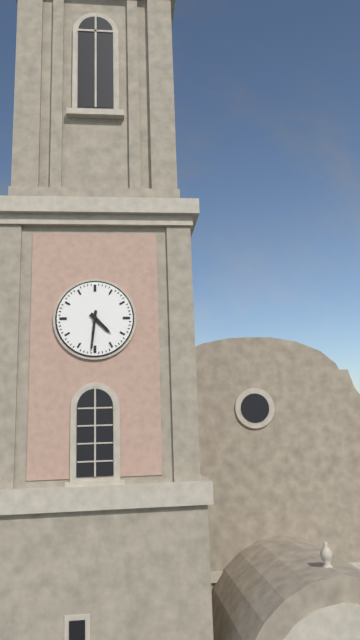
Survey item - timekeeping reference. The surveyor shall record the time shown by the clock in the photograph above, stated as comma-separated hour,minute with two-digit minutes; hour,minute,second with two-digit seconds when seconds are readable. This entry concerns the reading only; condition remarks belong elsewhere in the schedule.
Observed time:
4,31
